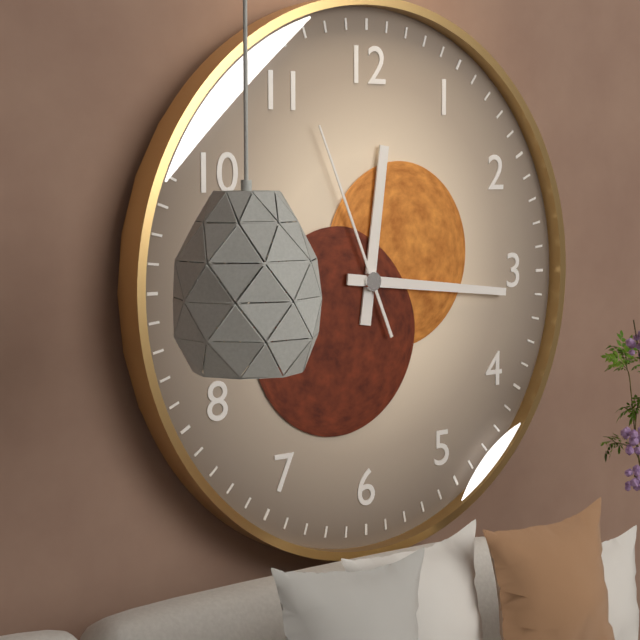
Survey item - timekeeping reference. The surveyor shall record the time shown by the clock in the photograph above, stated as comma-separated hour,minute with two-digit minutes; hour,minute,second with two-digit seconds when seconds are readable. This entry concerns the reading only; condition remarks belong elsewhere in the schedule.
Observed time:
12,16,56
